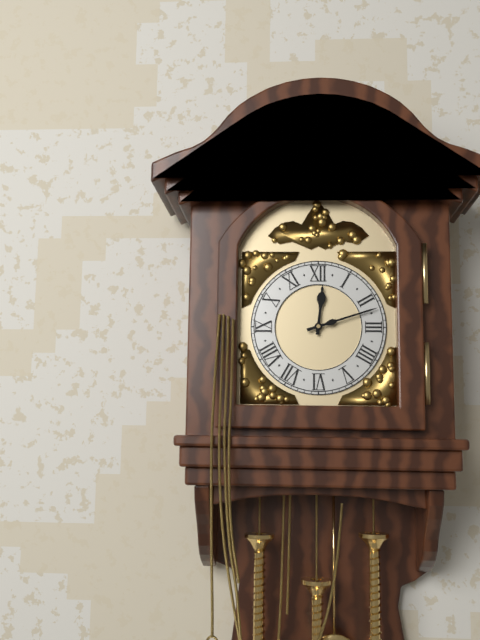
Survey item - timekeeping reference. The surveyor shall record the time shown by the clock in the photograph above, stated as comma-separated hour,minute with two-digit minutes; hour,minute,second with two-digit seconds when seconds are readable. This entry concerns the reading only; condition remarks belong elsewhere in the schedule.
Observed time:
12,12
